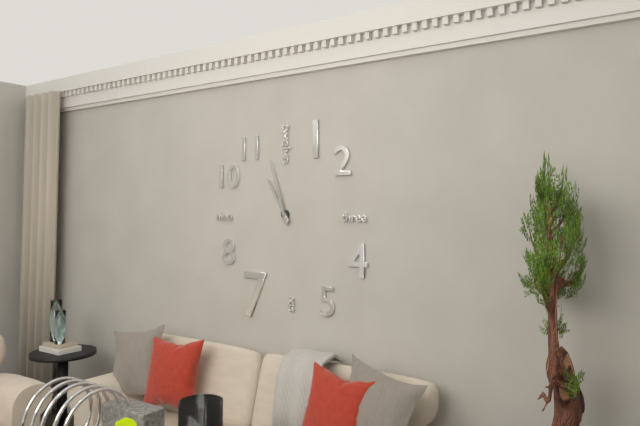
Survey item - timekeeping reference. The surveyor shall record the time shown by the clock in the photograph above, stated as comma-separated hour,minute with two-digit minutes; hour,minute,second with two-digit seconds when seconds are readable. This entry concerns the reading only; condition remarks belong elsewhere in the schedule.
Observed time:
10,57
